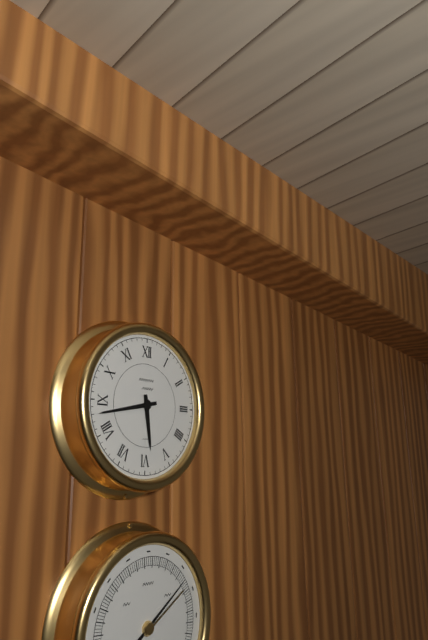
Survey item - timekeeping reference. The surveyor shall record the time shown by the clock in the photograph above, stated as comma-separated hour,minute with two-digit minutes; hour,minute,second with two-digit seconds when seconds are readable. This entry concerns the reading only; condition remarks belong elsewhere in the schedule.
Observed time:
5,43
